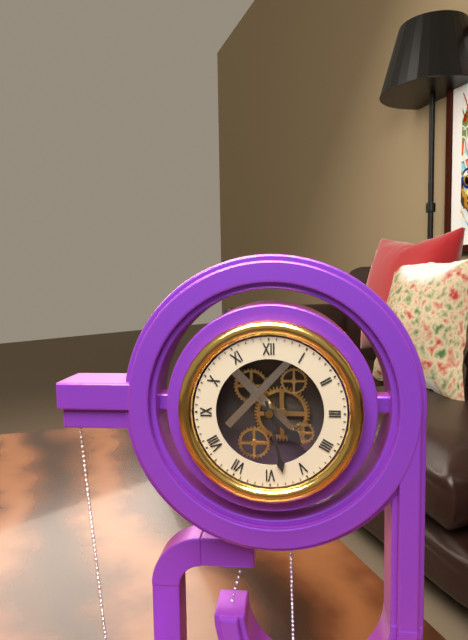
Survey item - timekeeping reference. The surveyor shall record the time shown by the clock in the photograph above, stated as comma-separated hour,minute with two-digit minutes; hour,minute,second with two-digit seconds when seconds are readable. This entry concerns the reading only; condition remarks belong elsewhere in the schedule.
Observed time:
4,28
